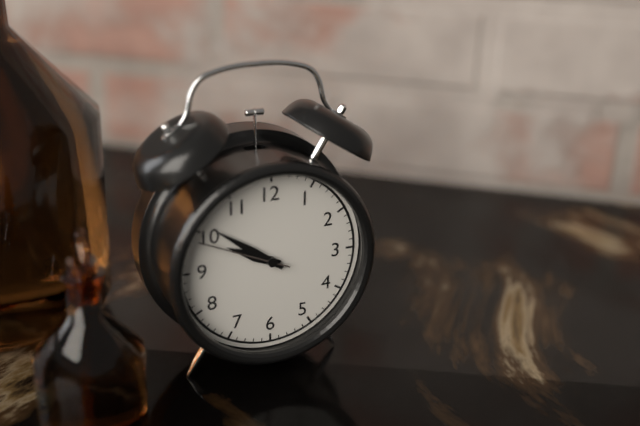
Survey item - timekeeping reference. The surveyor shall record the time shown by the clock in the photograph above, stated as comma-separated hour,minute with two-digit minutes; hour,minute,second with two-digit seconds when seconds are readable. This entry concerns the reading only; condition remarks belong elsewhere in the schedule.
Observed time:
9,51,49
